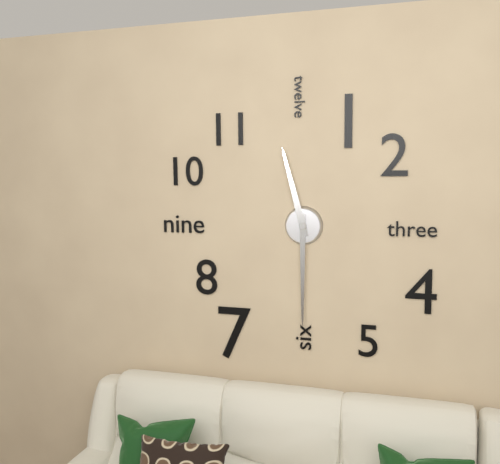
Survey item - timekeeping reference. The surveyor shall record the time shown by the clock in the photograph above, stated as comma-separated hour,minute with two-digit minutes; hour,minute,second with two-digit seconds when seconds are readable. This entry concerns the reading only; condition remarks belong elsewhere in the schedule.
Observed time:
11,30
